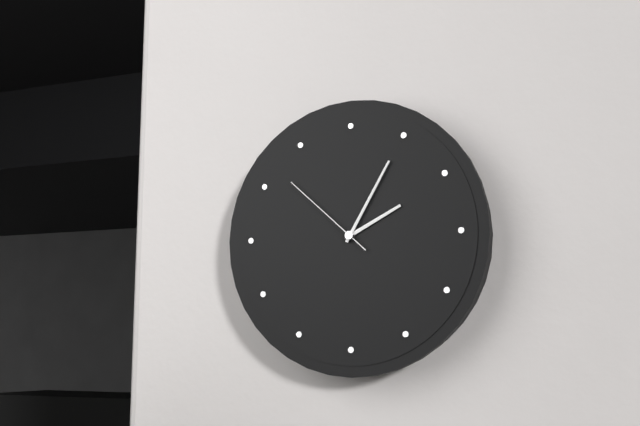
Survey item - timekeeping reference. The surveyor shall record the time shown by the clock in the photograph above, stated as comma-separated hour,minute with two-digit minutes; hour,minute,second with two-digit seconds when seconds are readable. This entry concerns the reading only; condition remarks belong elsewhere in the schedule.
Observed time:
2,05,52
